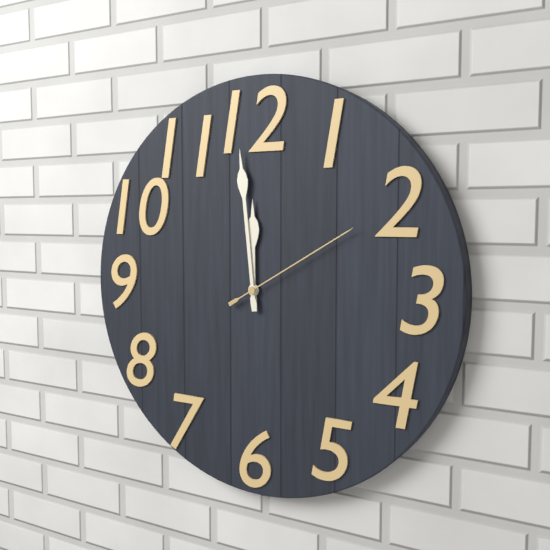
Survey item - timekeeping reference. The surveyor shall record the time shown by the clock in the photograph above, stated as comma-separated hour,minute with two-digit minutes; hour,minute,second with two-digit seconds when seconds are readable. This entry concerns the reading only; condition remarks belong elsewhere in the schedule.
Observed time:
11,59,10
